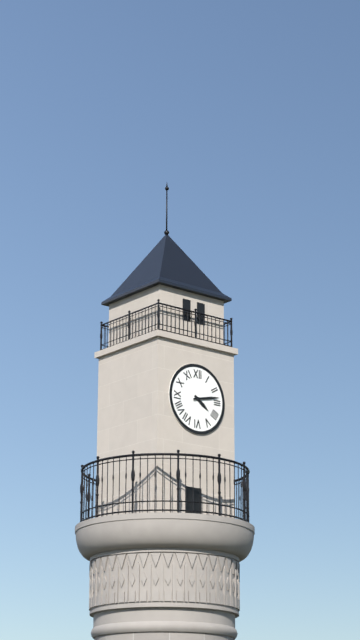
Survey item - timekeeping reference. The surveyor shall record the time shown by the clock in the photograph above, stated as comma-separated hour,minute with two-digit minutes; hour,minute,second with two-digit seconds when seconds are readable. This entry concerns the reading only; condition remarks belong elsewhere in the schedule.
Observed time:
4,13
